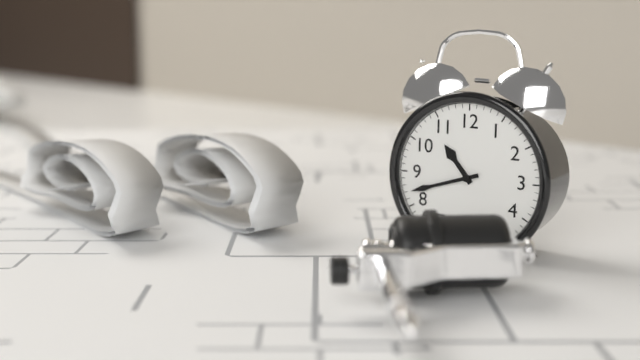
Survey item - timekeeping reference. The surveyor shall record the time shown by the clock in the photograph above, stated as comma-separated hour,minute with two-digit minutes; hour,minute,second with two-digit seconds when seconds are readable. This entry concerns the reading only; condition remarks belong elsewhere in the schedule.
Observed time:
10,42
